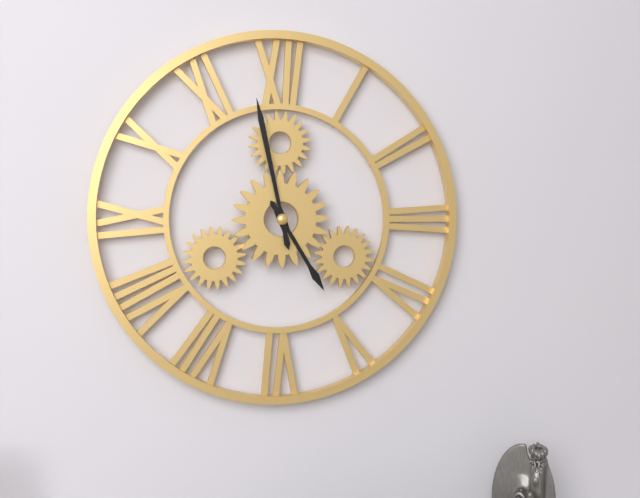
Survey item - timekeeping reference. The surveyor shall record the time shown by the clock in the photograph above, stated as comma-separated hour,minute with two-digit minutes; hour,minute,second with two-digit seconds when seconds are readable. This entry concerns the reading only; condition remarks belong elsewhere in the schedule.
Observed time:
4,58
